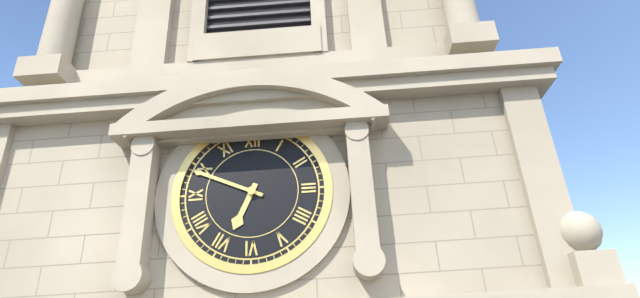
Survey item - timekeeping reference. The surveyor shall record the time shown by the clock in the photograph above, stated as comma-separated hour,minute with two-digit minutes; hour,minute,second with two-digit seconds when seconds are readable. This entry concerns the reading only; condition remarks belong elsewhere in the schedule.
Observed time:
6,49
